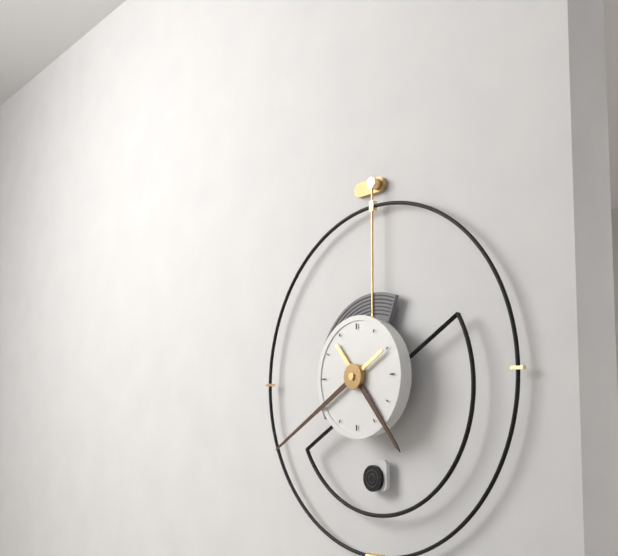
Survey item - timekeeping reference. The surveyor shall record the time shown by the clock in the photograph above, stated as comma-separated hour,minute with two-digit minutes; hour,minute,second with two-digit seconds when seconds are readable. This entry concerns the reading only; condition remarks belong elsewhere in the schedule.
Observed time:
4,40
